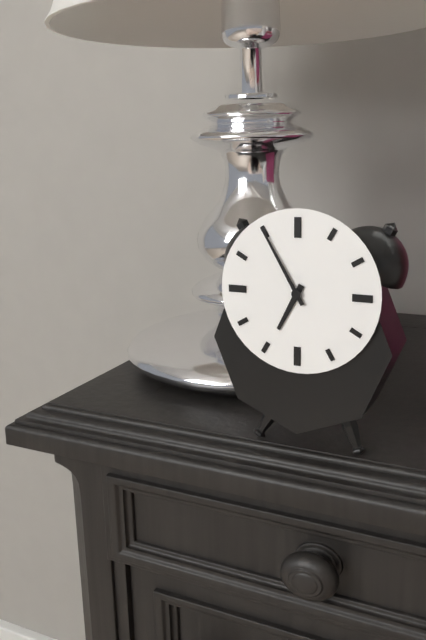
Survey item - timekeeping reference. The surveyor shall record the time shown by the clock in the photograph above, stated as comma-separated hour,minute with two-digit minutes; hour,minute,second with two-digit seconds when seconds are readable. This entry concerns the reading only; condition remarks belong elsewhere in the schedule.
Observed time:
6,55
